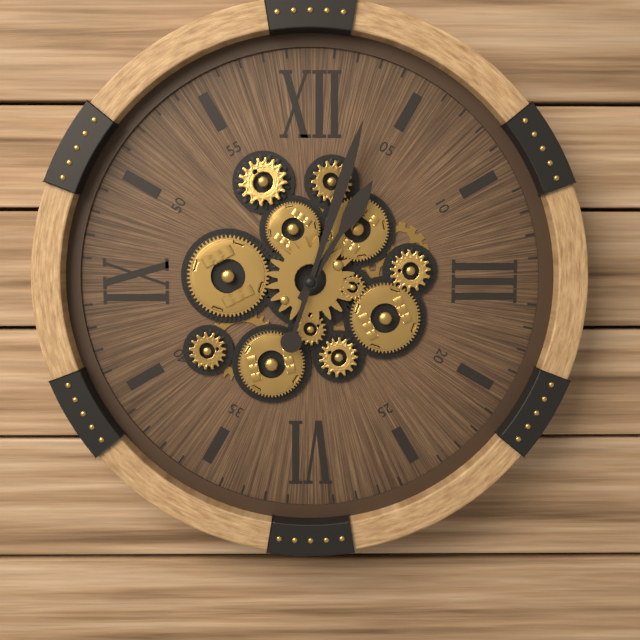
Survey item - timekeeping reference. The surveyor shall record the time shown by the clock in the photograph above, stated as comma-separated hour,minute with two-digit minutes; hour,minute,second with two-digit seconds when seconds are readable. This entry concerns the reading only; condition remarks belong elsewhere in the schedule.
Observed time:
1,03
